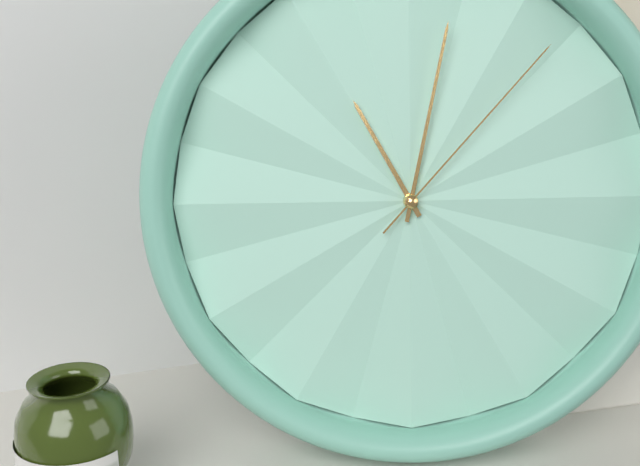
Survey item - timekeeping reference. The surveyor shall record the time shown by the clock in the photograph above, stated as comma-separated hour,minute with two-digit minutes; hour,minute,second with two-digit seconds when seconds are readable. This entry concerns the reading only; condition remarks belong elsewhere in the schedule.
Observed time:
11,02,07
